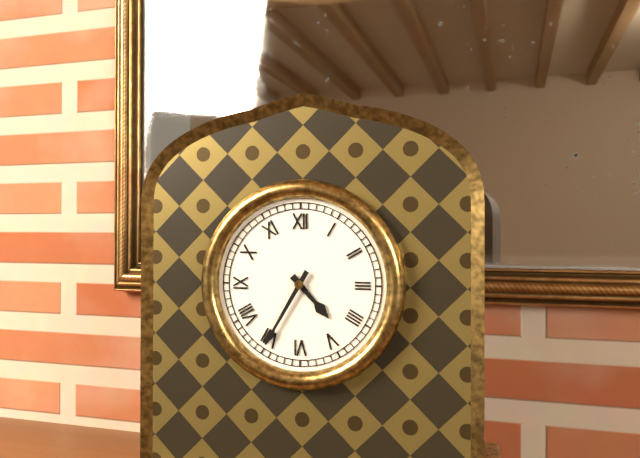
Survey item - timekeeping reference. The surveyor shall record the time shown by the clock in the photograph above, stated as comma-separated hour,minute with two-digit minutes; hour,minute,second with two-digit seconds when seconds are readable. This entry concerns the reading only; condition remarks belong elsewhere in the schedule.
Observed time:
4,35
